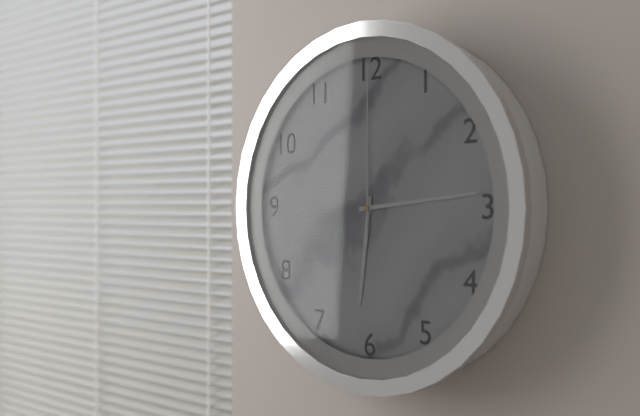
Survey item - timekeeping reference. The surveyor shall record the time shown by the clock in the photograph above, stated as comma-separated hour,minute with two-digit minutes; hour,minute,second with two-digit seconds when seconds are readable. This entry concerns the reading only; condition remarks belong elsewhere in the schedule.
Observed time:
6,14,00
